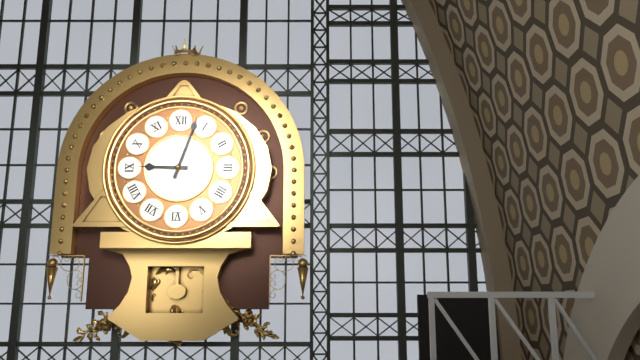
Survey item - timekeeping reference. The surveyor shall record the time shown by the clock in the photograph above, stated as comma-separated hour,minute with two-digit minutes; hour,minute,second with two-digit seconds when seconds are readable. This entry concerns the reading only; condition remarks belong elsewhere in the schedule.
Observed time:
9,03
